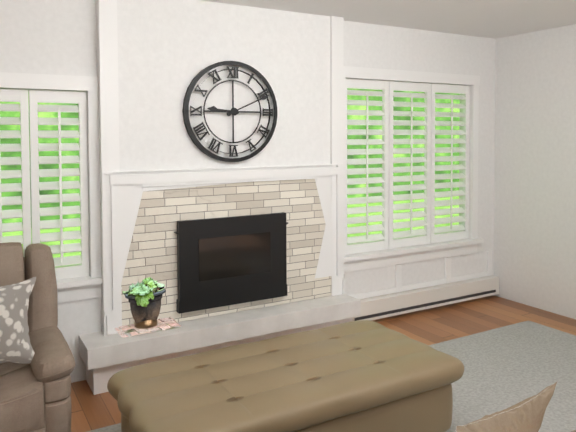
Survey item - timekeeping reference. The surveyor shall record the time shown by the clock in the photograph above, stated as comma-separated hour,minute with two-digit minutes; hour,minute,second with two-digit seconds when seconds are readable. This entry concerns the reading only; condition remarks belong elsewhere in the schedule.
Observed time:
9,11
